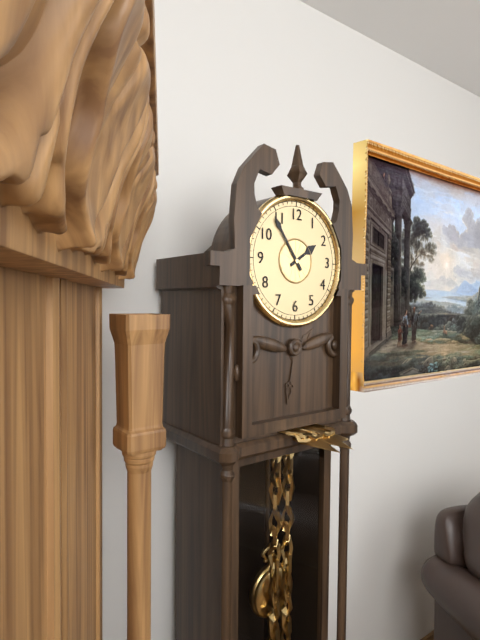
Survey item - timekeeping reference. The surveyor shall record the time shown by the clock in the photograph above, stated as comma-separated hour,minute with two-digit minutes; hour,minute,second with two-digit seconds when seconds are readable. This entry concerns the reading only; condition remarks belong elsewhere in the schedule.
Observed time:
1,54
